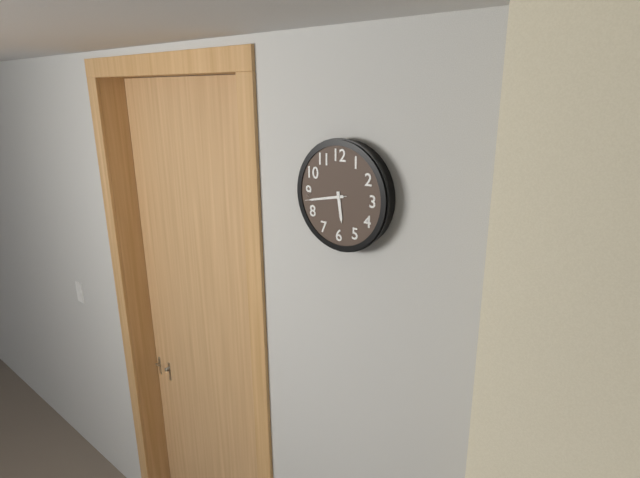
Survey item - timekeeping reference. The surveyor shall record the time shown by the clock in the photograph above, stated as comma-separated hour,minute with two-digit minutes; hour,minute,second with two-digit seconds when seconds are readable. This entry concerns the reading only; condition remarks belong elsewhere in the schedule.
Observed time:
5,43
